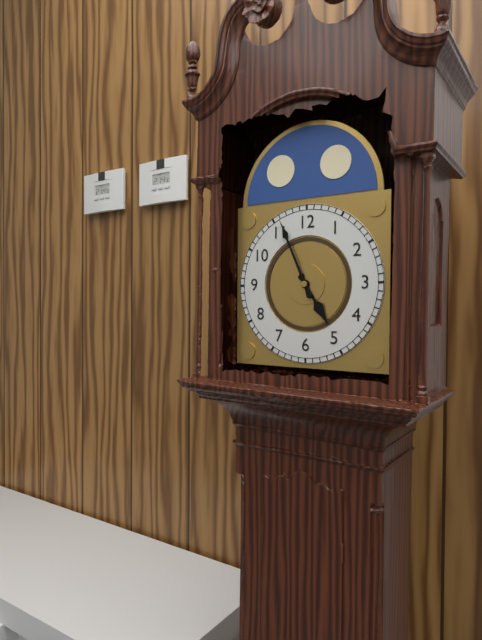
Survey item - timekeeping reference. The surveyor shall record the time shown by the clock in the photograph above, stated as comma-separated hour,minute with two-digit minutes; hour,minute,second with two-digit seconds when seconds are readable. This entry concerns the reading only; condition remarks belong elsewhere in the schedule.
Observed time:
4,56
